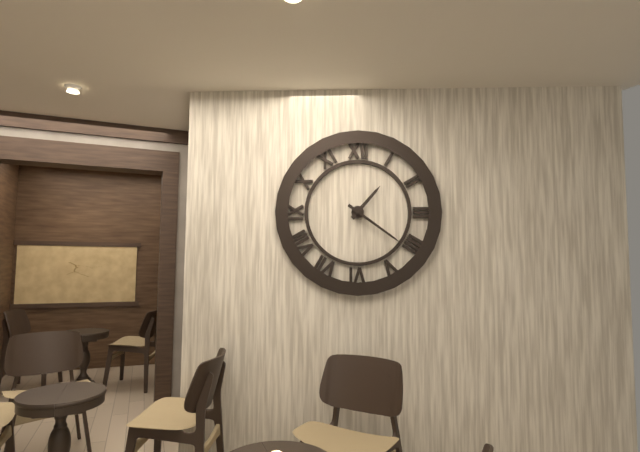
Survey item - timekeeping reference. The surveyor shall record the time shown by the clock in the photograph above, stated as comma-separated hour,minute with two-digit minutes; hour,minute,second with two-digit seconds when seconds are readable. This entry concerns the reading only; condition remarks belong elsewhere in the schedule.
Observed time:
1,21
